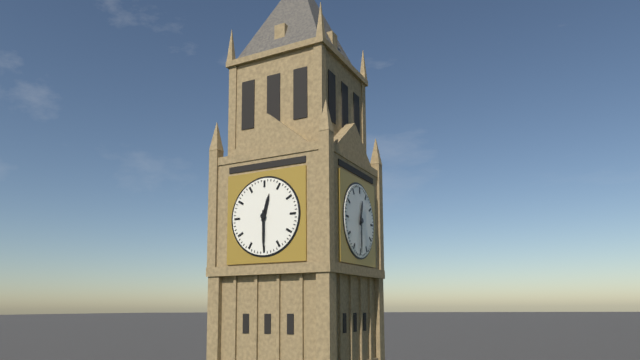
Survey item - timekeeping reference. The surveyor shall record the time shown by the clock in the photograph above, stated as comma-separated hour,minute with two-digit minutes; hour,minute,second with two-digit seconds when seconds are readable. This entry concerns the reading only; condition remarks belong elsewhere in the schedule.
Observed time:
12,30
